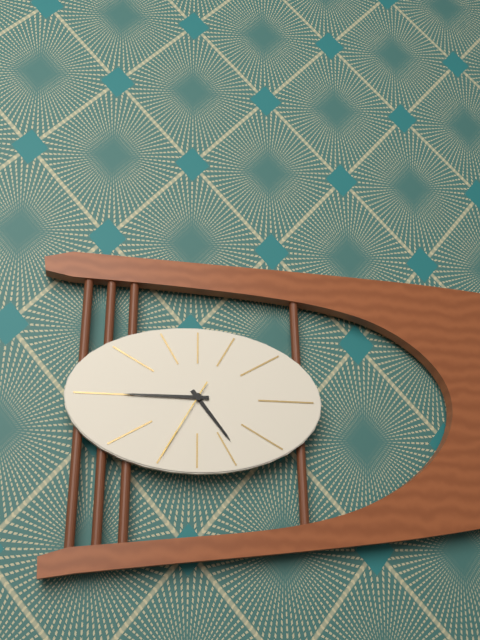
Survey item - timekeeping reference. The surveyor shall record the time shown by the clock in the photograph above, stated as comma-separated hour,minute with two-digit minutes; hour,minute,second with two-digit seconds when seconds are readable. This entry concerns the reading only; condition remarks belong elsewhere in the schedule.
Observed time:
4,45,35
